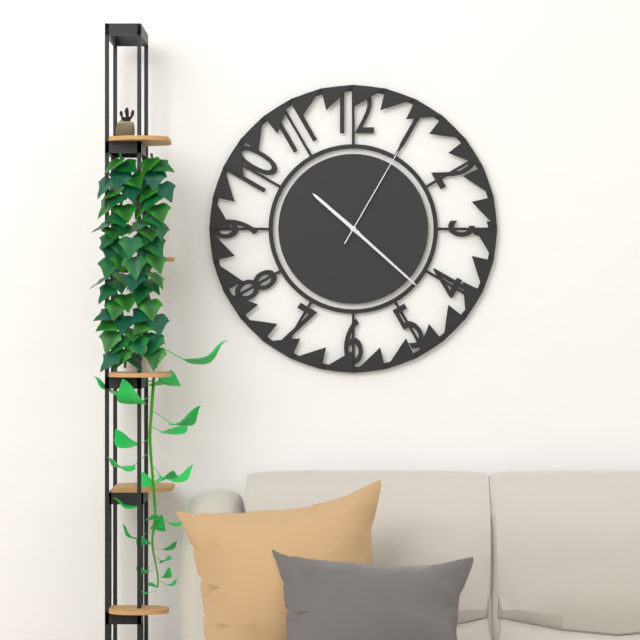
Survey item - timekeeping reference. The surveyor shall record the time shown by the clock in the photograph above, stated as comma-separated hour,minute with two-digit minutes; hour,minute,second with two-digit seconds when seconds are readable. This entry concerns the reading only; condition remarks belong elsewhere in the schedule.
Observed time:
10,22,05
